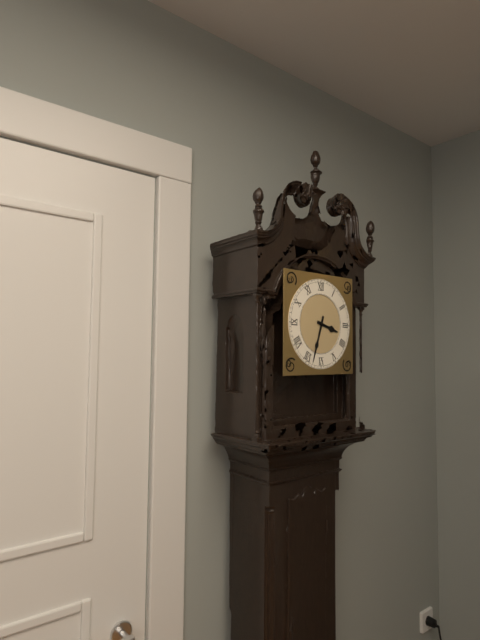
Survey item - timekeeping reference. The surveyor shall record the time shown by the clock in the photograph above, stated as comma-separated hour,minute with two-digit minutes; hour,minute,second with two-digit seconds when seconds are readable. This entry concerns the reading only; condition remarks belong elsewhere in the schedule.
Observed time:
3,33
